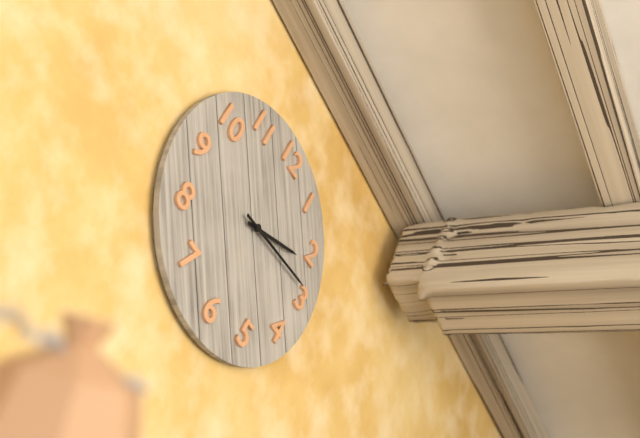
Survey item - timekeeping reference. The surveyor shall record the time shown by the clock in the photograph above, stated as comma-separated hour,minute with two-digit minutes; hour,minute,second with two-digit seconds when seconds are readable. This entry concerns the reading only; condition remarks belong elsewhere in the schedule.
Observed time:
2,14
